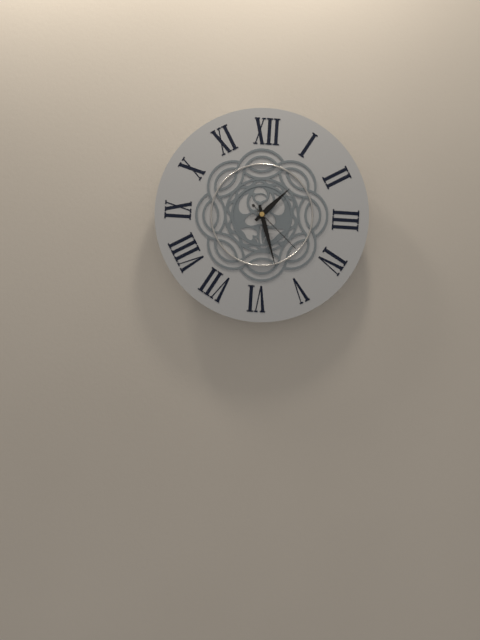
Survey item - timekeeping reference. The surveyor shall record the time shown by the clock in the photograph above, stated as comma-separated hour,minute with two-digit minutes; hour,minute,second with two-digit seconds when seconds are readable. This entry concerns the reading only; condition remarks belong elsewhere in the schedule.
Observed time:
1,27,22
